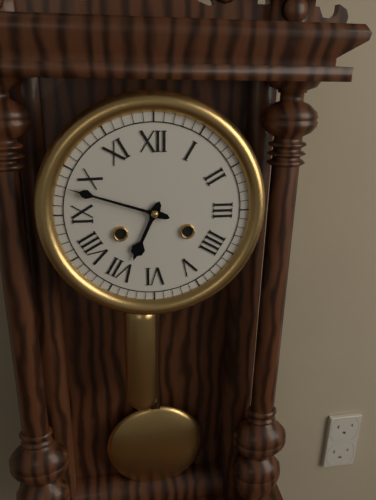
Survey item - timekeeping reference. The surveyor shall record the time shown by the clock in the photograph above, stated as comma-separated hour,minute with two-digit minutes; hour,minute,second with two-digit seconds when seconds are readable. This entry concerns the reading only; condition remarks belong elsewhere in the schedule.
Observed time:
6,48
